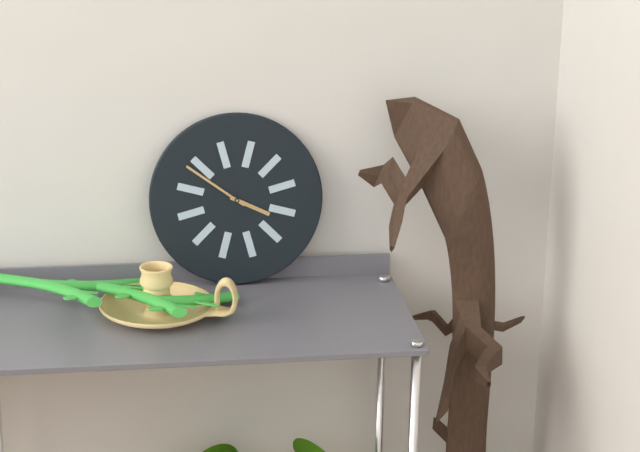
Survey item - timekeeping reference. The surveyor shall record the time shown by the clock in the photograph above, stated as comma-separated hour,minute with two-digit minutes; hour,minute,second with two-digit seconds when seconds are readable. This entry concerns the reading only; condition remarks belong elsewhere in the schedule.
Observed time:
3,51
